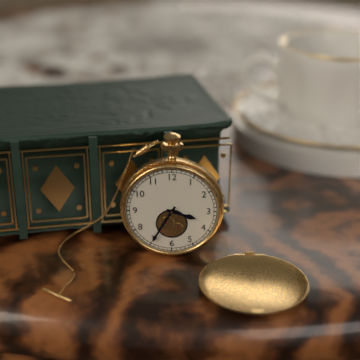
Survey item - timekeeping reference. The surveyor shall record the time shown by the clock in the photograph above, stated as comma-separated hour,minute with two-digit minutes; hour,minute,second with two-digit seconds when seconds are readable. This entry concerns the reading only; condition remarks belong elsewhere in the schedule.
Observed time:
3,35
